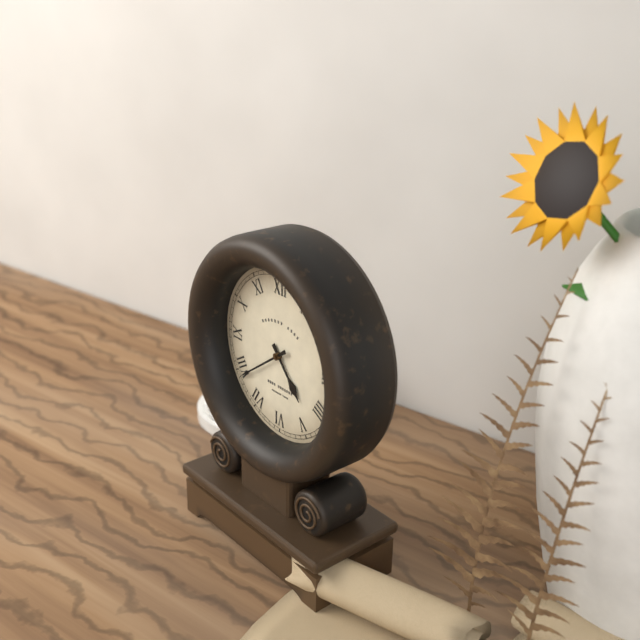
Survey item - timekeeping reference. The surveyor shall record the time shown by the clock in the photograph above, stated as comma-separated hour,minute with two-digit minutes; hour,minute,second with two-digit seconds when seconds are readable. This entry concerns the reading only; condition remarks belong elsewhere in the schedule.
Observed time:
4,39
